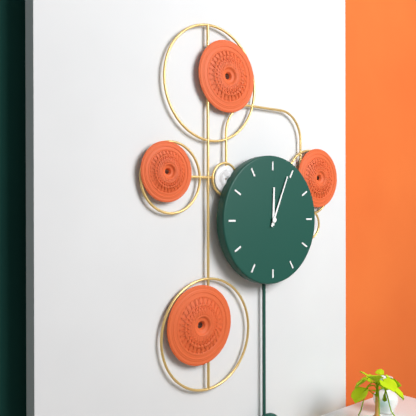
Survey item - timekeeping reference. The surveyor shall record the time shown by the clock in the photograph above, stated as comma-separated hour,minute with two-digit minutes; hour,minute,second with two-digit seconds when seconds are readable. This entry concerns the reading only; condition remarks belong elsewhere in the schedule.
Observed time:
12,04
